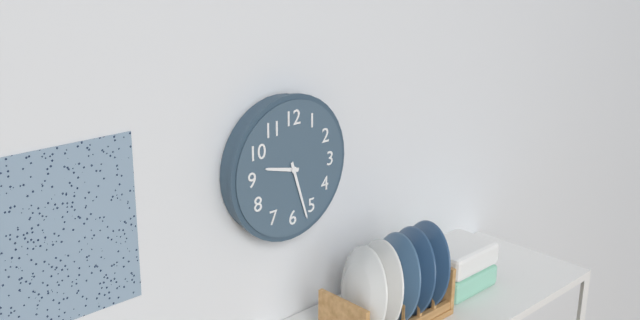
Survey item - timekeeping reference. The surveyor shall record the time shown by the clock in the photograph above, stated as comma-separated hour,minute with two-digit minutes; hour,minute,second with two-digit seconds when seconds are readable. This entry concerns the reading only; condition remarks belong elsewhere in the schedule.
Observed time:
9,27
